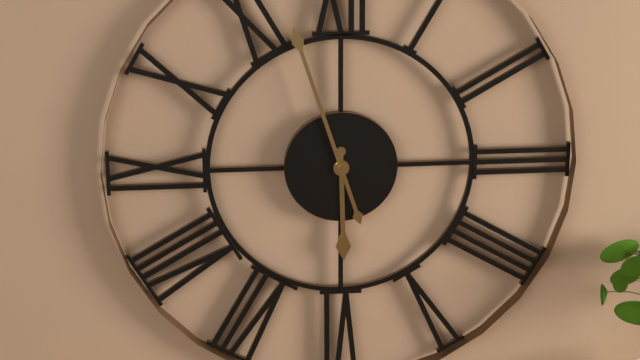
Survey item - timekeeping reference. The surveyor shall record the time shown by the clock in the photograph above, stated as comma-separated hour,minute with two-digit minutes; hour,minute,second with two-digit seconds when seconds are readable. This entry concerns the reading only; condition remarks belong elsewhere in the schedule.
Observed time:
5,57
